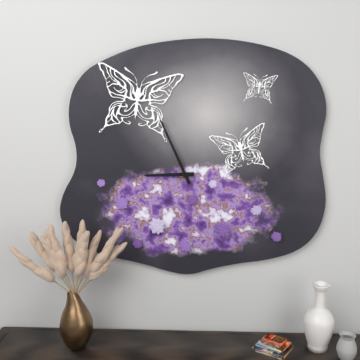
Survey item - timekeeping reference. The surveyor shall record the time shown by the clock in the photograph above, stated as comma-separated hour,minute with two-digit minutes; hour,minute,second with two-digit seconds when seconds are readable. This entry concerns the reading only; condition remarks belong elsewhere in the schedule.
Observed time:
8,56
